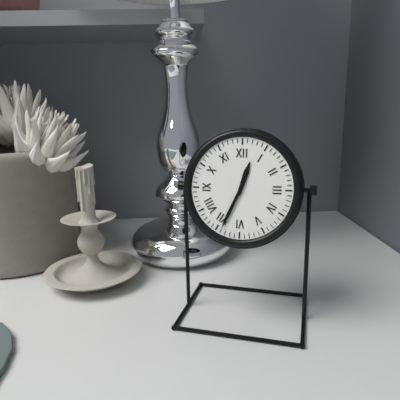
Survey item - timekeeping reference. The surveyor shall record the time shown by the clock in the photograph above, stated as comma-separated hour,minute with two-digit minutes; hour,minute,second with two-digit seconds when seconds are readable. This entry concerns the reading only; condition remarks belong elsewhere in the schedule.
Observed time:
12,34
